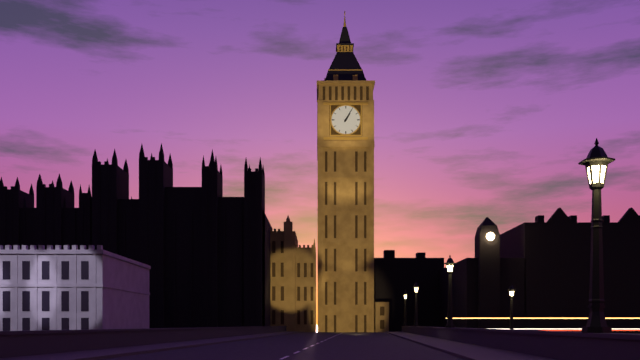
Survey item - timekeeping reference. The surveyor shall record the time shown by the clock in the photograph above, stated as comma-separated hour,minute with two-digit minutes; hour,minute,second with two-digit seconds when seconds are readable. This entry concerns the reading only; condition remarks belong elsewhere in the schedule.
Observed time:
1,05
